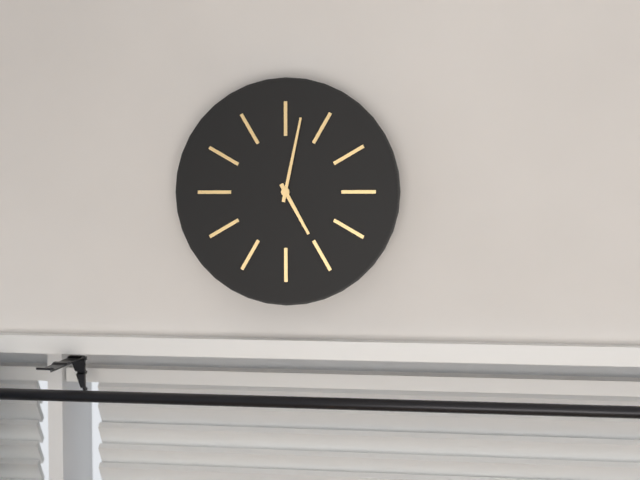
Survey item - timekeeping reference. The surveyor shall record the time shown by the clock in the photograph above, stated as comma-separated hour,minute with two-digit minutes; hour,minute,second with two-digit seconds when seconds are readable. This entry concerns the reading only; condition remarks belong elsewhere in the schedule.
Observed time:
5,02
